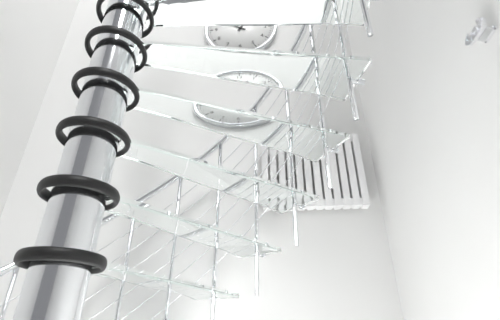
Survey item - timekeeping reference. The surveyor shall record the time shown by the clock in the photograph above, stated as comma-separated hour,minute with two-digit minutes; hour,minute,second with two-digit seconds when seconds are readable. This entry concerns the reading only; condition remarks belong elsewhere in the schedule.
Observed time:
12,50
